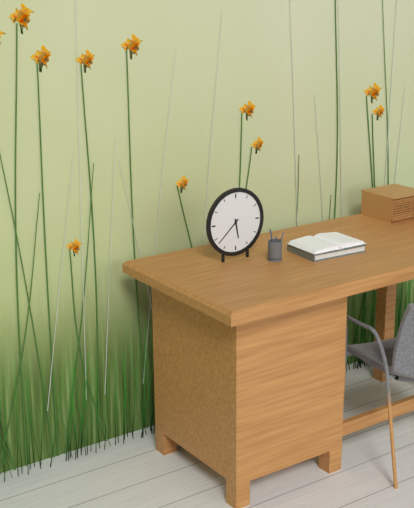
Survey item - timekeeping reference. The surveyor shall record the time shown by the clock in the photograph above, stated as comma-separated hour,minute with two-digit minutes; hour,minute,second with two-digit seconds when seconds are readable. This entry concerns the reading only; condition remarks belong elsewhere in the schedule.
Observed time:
5,38
